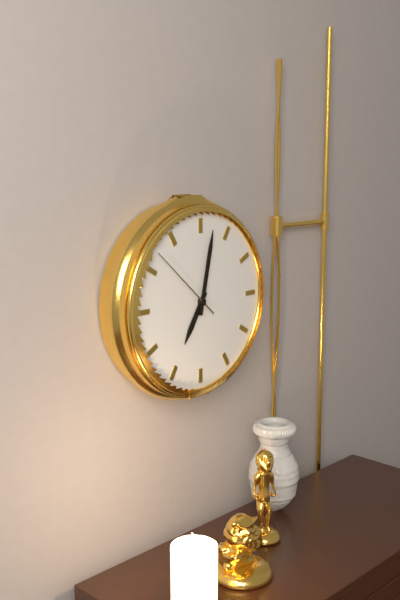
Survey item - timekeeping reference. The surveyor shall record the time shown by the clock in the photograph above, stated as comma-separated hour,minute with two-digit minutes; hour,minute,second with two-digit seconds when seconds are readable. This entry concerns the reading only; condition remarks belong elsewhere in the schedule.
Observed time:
7,02,52
